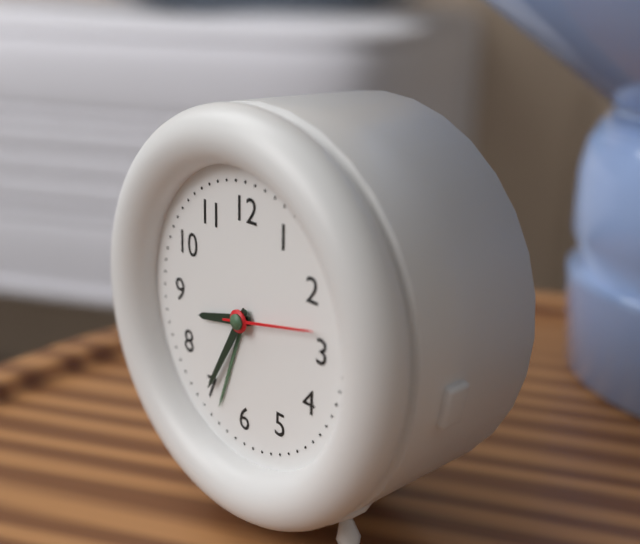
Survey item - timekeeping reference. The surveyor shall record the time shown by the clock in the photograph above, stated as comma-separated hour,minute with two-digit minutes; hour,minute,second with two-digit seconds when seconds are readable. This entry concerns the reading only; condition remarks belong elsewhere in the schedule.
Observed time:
8,35,13
